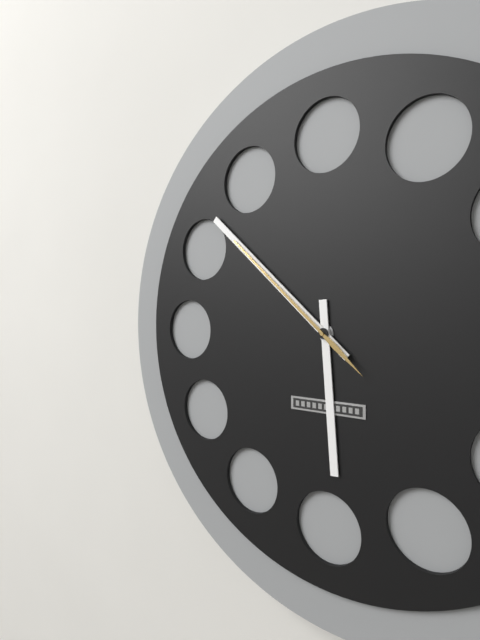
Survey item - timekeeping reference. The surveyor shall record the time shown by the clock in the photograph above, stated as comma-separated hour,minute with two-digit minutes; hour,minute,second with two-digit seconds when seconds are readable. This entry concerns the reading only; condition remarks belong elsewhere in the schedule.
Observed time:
5,52,52
